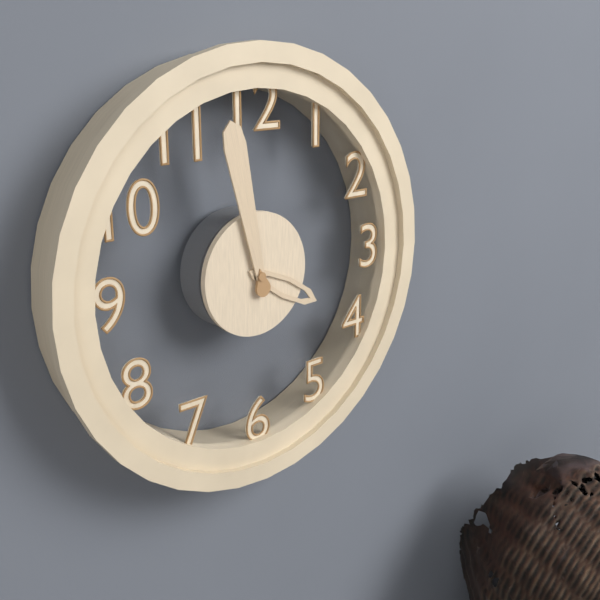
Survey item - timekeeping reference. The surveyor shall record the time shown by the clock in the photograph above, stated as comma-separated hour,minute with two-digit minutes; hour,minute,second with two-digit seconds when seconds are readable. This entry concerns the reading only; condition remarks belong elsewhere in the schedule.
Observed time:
3,58
